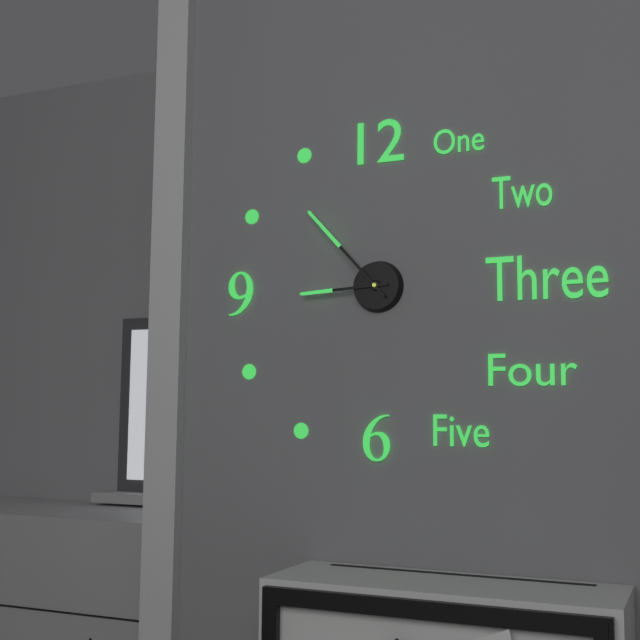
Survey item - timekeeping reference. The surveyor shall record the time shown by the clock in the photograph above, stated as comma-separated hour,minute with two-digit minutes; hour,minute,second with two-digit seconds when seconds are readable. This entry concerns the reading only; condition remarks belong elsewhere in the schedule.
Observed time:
8,53
